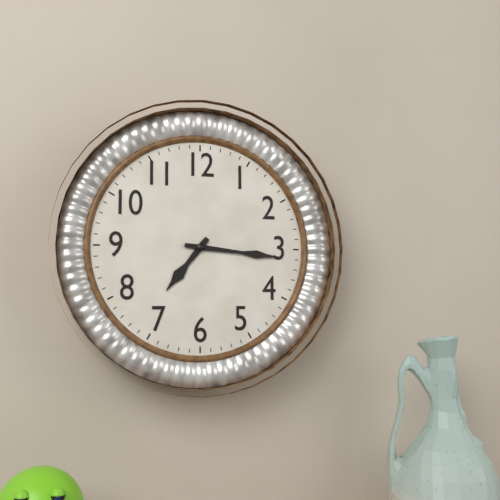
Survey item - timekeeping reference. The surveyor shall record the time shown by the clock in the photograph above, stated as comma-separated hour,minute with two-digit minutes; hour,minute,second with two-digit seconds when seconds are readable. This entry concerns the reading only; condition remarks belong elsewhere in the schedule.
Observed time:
7,16
